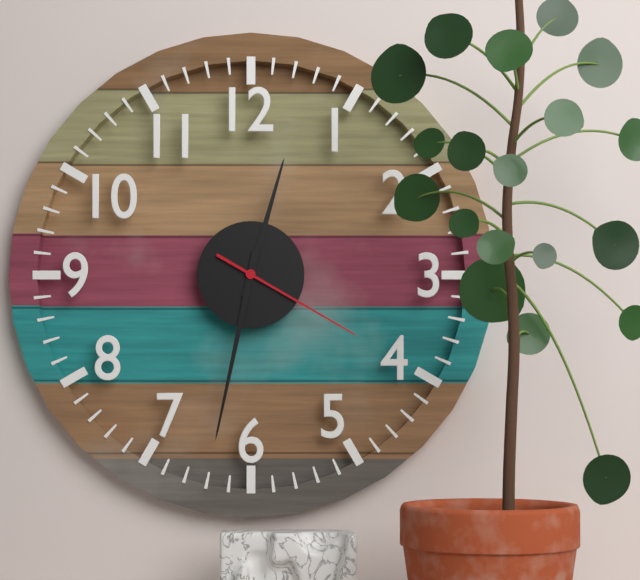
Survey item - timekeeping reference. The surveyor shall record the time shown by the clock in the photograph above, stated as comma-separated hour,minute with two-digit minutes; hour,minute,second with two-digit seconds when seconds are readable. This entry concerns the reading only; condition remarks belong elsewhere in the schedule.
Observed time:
12,32,20
